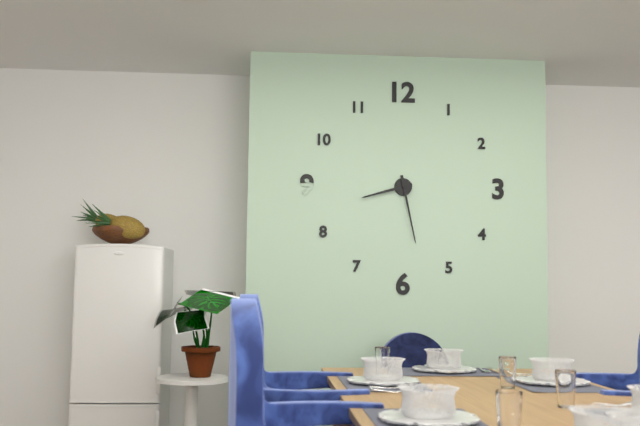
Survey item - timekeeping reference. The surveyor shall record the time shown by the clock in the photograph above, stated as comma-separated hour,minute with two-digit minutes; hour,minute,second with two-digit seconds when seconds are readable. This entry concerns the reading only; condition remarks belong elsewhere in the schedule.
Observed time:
8,28
